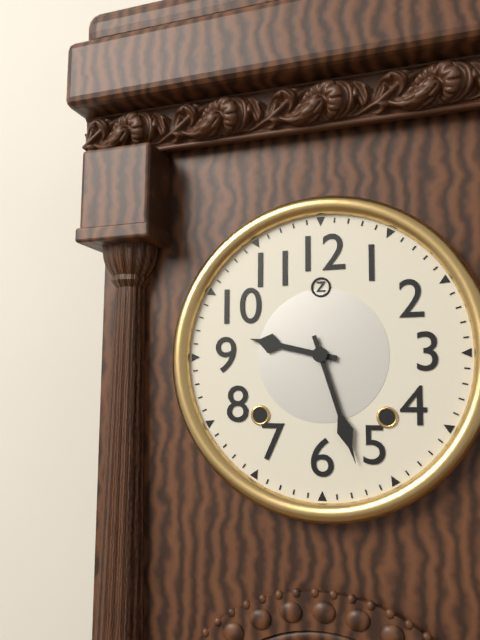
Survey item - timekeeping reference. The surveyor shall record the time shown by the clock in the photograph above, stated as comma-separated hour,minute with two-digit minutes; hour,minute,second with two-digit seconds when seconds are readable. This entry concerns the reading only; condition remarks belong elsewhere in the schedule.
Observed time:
9,27
